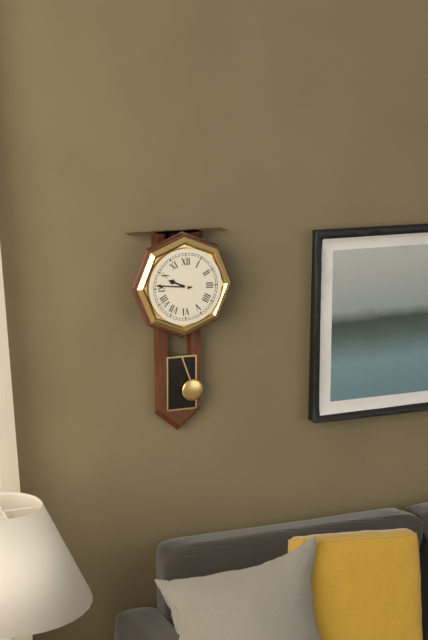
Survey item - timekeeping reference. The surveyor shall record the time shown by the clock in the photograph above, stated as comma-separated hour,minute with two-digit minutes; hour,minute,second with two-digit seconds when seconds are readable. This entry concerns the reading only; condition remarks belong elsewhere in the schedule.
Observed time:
9,46
